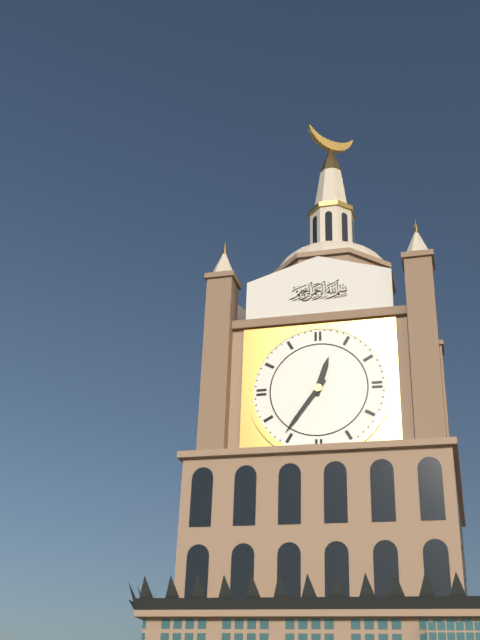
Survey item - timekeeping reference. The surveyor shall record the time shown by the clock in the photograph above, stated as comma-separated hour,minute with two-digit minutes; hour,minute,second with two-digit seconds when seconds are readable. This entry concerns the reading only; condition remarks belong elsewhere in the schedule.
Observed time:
12,36
